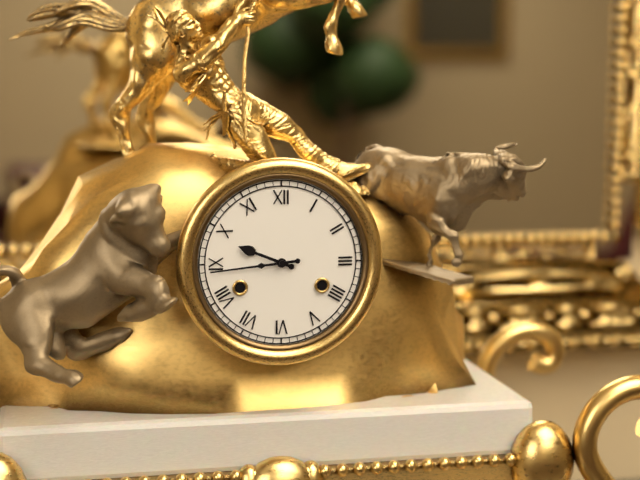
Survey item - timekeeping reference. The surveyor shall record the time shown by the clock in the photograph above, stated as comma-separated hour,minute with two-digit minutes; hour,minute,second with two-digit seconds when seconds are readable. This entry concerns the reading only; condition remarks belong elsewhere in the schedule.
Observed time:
9,44
